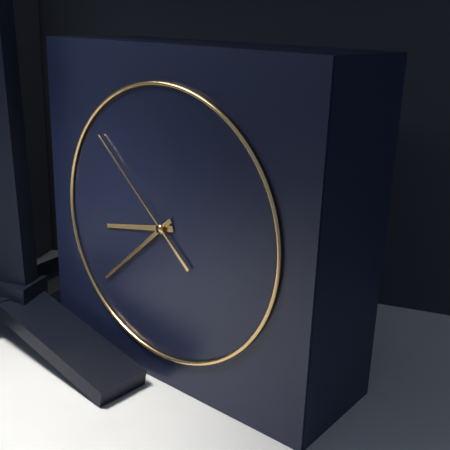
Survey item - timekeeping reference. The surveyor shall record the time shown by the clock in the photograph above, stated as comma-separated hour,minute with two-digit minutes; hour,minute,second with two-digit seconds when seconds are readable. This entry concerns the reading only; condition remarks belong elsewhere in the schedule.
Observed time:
8,38,52
